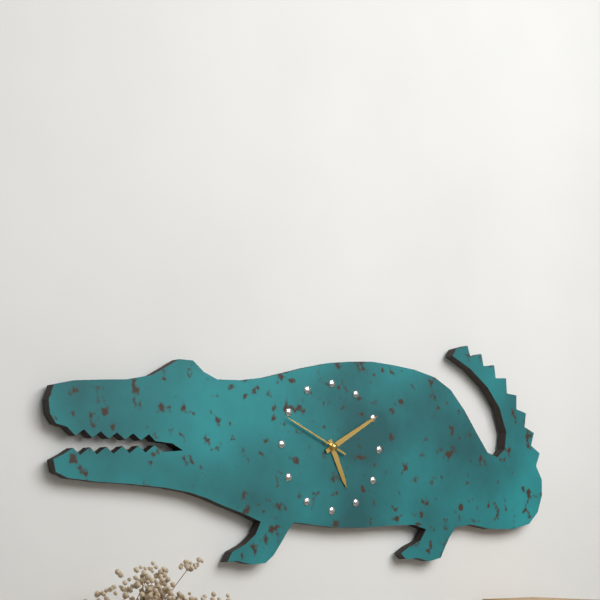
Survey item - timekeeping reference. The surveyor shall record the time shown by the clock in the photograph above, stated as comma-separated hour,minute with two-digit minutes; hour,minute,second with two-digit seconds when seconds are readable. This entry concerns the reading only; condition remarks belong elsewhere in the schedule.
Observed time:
5,10,49
